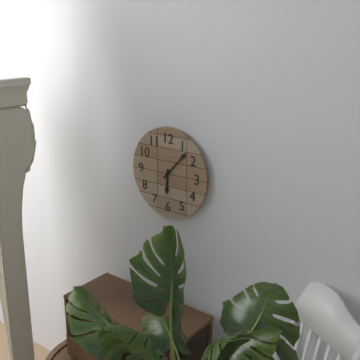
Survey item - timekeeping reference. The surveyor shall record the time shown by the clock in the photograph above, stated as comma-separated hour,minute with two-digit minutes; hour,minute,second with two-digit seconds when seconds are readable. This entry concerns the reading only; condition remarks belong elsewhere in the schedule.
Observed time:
6,07
